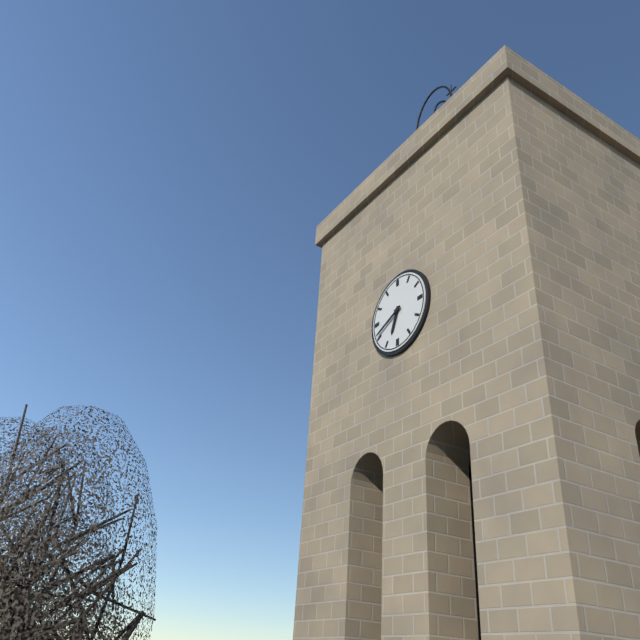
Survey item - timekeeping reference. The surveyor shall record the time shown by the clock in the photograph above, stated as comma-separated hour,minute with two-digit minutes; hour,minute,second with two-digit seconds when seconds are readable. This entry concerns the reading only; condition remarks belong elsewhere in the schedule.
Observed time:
6,41
